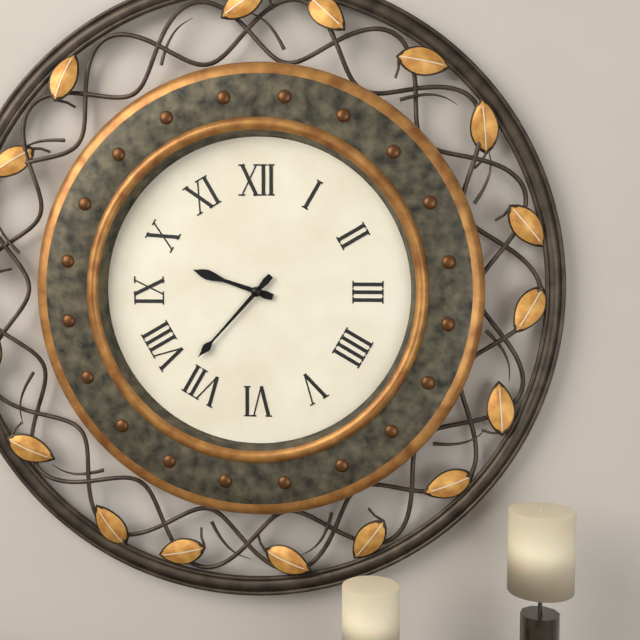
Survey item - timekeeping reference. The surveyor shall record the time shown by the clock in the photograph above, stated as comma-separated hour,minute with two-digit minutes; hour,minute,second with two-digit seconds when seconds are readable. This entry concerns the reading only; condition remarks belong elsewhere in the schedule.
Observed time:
9,37
